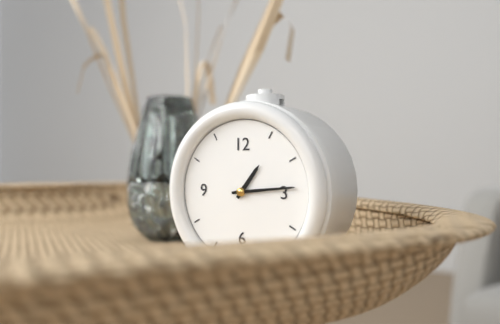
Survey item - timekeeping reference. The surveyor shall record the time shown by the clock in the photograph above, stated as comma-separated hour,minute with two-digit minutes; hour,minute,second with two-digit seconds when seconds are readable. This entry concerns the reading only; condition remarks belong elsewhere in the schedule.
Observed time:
1,14
